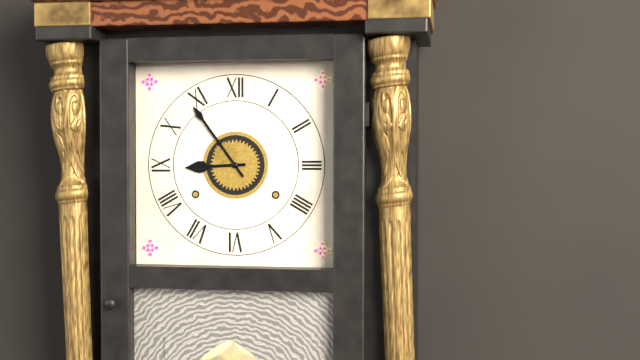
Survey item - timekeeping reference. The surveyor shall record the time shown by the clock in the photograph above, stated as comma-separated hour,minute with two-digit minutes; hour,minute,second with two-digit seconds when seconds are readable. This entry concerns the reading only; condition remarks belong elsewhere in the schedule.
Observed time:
8,54
